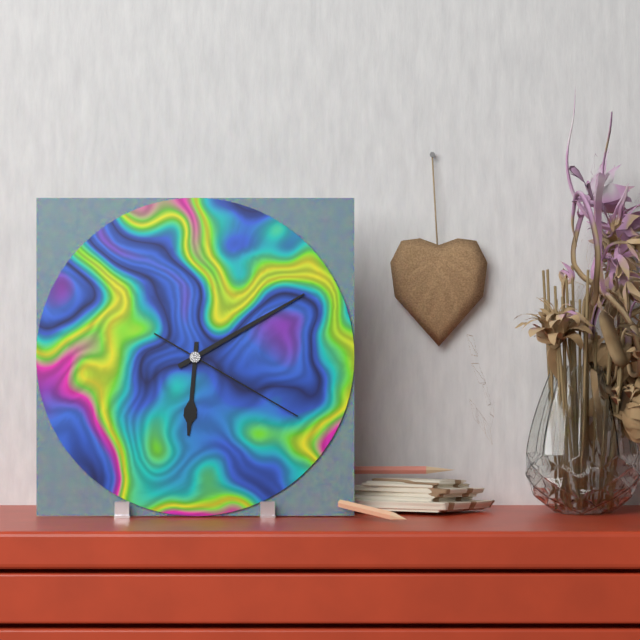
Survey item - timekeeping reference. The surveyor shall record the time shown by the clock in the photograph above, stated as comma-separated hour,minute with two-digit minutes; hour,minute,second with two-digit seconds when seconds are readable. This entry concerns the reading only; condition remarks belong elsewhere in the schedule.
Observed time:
6,10,20
